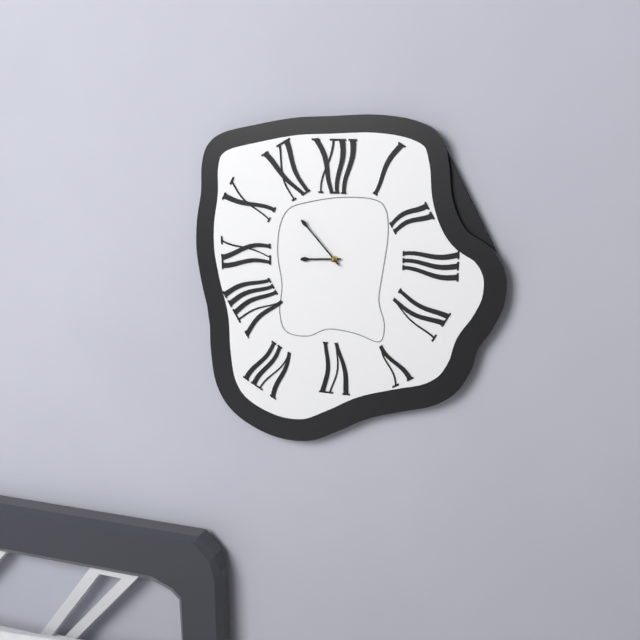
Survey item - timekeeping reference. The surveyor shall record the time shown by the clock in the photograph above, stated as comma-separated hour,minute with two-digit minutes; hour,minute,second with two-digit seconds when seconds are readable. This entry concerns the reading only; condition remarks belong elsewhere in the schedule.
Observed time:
8,53
